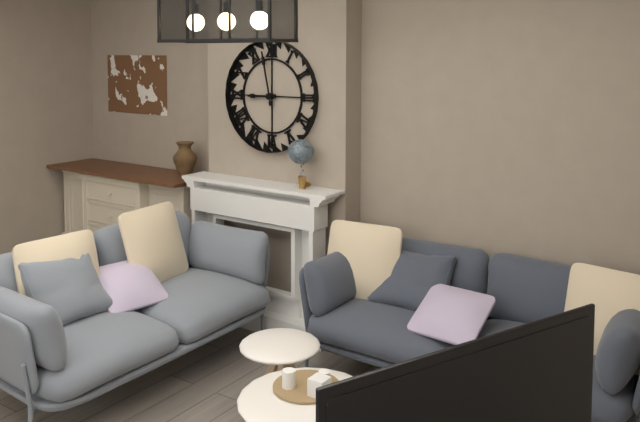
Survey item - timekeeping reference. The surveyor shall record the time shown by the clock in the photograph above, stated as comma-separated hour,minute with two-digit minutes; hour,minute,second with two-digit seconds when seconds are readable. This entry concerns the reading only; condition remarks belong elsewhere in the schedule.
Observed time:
8,58
